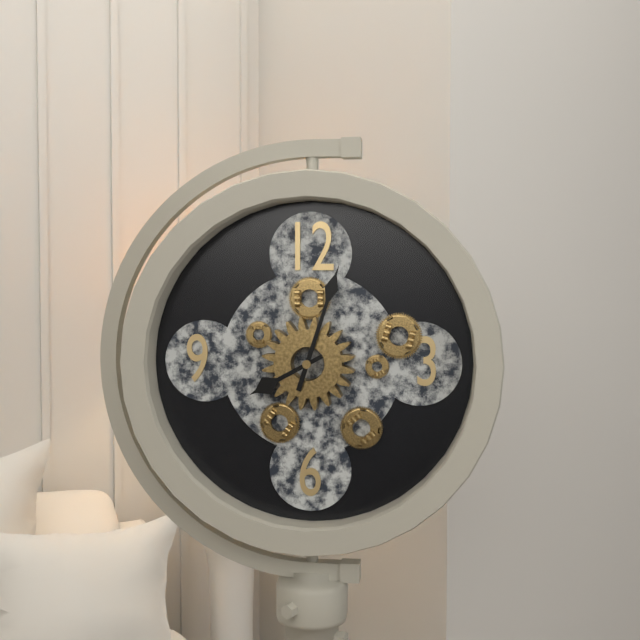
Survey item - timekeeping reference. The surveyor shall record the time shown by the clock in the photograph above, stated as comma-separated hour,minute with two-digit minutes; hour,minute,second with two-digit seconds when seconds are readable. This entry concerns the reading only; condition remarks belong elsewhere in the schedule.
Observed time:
8,03
